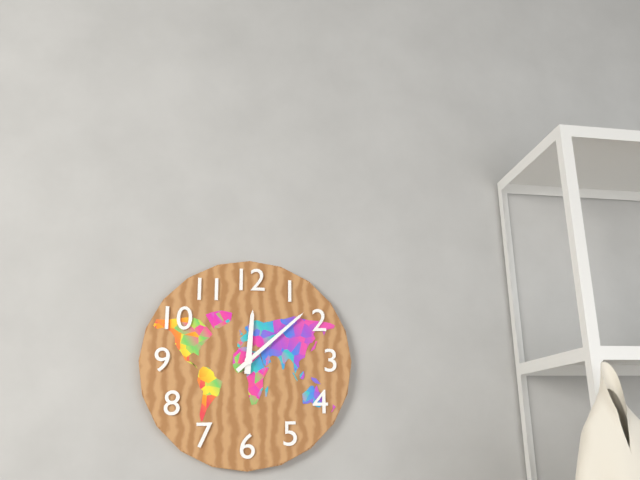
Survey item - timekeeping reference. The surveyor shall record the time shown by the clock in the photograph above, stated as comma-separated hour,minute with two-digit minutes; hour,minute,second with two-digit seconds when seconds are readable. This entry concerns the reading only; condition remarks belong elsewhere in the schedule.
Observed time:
12,08
